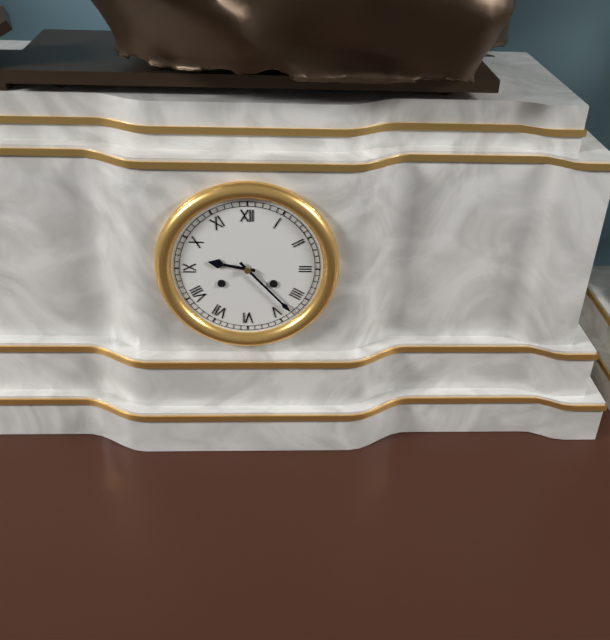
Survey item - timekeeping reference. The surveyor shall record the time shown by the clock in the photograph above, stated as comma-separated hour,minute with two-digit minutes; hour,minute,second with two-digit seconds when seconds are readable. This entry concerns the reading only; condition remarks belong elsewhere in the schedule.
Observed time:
9,23
